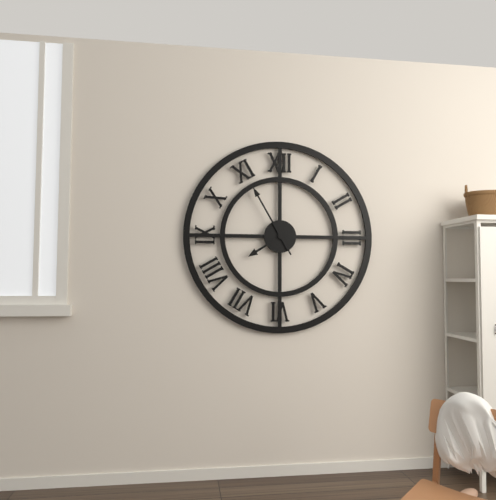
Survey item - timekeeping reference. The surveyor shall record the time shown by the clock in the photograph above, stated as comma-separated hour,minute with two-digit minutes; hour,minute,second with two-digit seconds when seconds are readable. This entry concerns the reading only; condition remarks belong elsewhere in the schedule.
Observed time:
7,55
